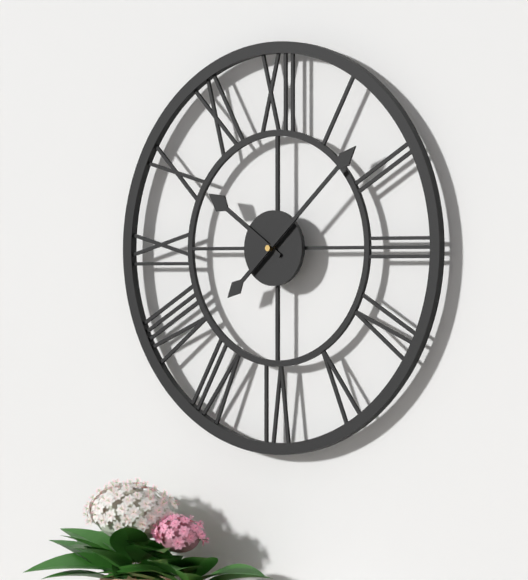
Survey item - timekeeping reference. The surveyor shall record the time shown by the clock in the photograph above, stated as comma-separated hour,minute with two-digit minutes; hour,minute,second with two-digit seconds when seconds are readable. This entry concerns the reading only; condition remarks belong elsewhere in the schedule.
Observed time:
10,08
